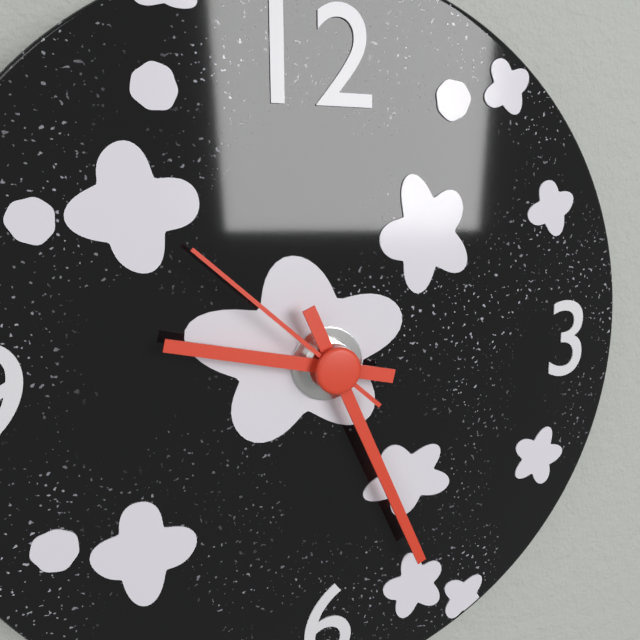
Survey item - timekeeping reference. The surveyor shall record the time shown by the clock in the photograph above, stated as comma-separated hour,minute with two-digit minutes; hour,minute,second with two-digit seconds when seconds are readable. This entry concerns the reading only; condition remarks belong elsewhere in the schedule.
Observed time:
9,26,52
